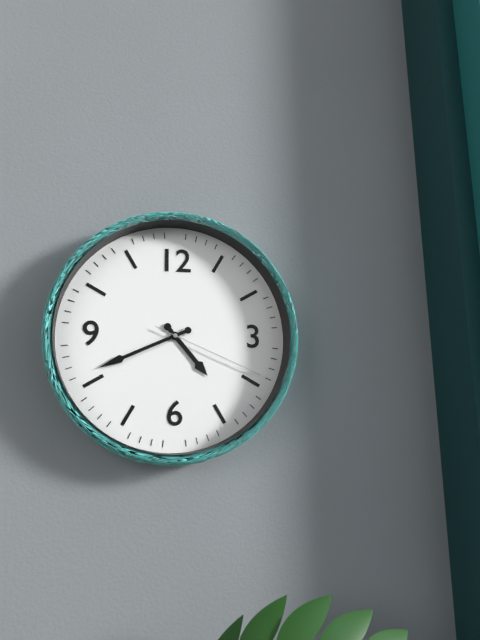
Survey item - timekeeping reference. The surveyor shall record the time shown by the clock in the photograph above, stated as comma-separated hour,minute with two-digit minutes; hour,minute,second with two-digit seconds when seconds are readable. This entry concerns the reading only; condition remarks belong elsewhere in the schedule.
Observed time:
4,41,19
